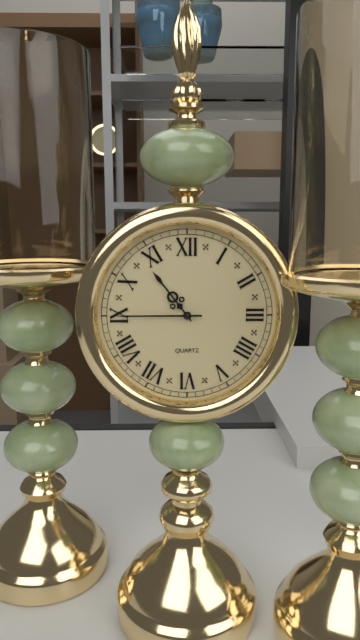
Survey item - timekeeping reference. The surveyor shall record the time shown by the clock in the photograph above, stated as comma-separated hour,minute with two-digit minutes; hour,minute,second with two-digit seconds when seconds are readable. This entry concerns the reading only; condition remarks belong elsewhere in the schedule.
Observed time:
10,45
